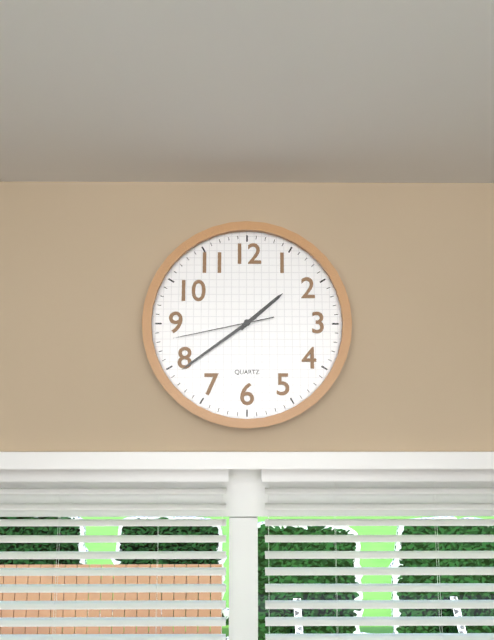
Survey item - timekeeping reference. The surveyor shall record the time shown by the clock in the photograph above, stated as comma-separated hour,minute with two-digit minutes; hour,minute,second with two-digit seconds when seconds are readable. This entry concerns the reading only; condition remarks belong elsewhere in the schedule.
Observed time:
1,39,43
